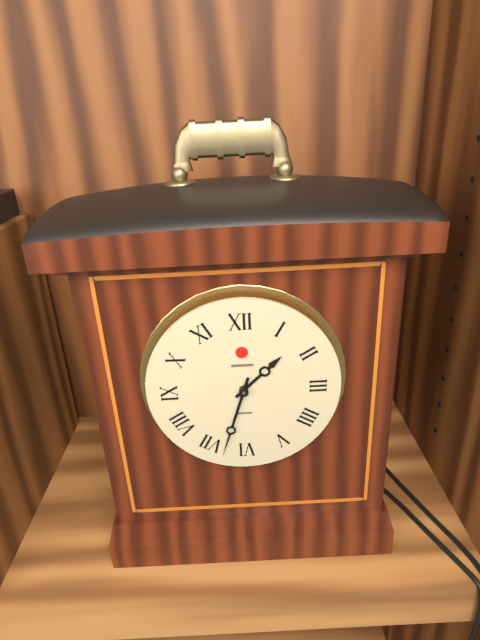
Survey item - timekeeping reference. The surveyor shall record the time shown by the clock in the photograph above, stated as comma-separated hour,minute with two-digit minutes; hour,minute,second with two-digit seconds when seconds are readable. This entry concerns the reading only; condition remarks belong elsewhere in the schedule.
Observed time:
1,33
